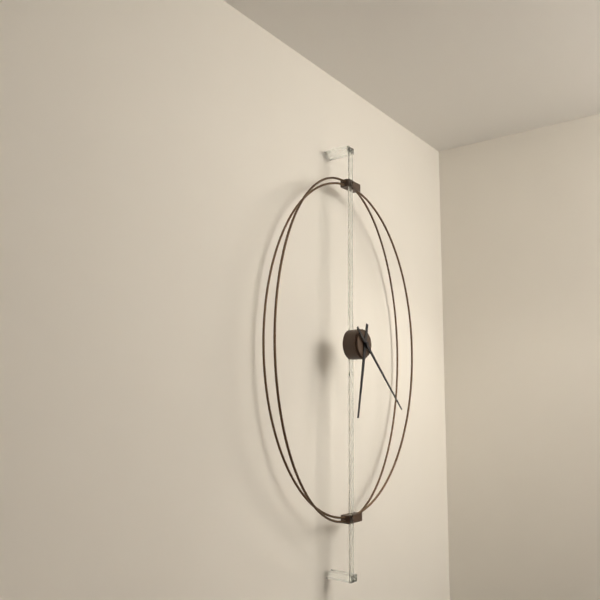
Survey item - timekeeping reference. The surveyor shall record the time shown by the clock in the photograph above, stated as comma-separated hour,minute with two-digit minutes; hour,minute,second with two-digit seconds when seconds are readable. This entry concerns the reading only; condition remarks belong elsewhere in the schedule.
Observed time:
6,22
